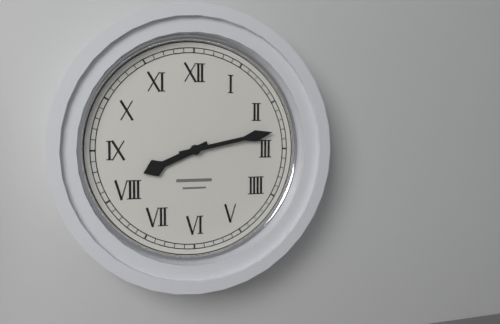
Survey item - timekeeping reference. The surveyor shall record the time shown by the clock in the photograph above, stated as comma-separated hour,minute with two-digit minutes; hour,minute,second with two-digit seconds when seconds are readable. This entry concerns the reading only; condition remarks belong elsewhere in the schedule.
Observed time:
8,13
